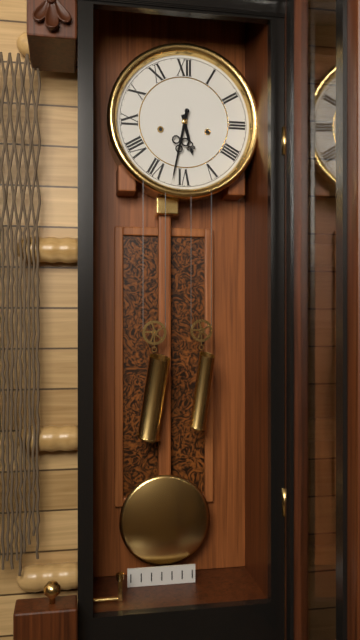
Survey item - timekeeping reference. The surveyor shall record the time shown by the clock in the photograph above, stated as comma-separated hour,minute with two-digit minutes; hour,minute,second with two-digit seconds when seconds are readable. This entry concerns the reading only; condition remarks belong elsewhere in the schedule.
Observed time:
5,32
